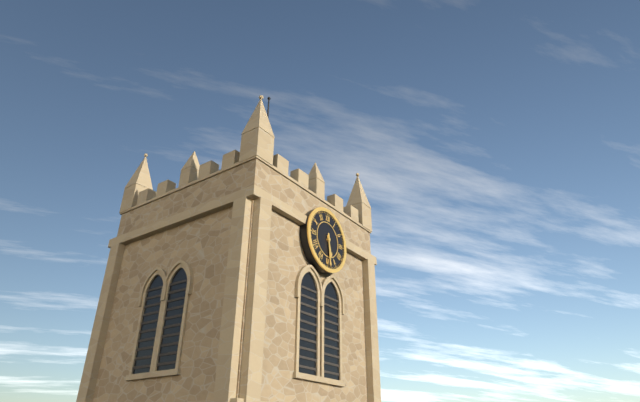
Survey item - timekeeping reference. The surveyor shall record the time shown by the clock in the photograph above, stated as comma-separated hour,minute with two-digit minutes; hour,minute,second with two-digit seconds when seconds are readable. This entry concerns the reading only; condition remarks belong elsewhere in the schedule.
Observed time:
5,29
